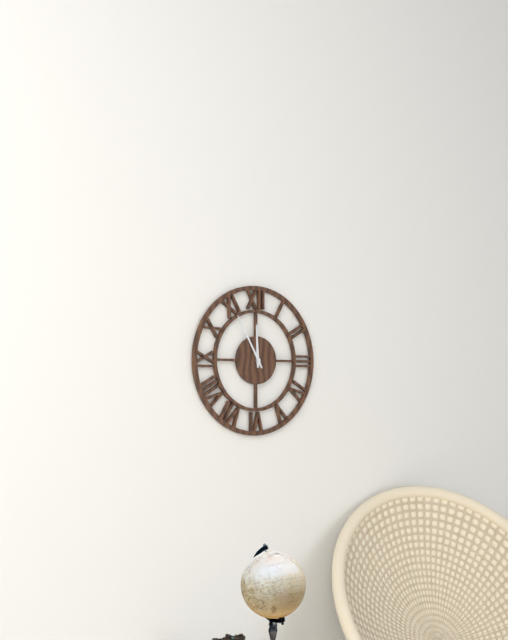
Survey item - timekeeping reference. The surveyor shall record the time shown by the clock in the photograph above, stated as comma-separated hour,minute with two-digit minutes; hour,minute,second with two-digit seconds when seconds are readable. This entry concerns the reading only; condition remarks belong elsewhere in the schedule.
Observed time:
11,55
